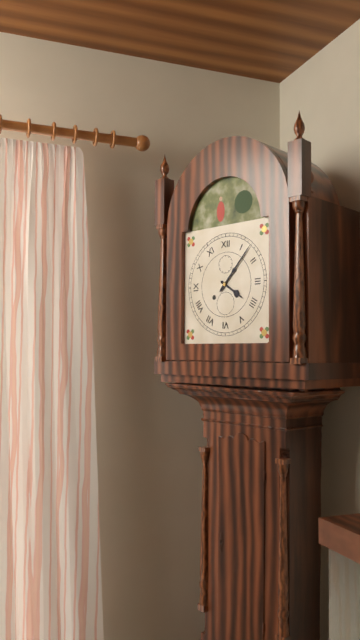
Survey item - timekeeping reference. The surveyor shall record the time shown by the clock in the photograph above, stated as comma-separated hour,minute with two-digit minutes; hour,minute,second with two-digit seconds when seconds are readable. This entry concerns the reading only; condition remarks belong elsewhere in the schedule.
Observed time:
4,07
